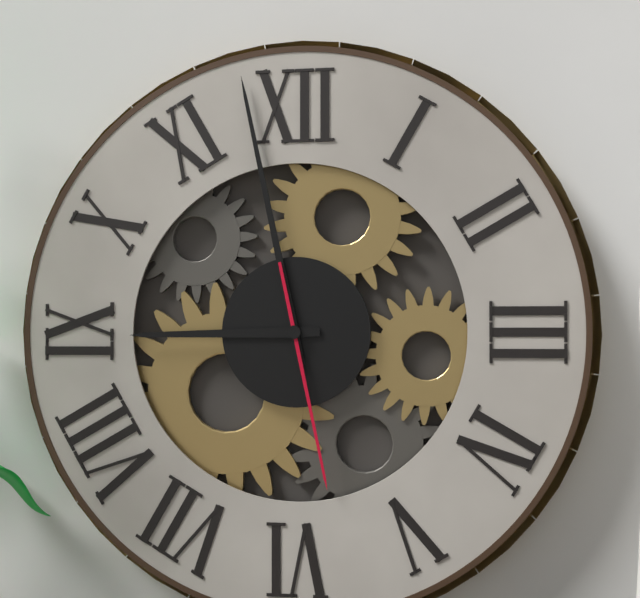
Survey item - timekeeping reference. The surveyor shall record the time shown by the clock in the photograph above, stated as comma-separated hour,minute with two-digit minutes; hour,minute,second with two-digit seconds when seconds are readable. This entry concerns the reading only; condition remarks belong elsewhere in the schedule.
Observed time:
8,58,28
